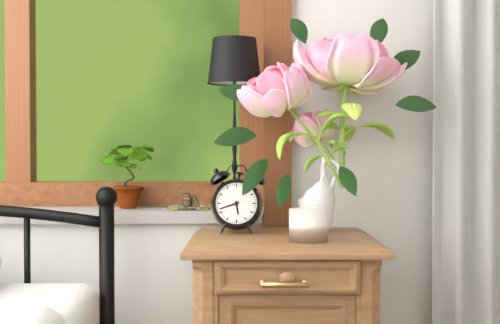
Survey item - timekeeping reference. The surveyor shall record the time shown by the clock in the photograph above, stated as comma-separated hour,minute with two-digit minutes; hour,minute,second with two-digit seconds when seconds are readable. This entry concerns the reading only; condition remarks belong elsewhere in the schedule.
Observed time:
5,42
